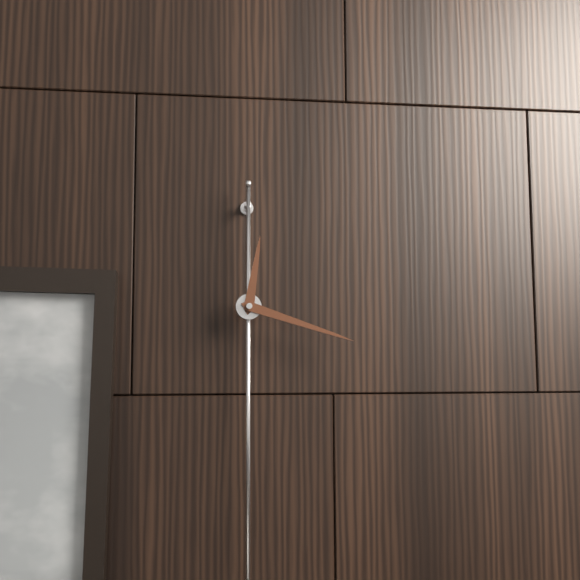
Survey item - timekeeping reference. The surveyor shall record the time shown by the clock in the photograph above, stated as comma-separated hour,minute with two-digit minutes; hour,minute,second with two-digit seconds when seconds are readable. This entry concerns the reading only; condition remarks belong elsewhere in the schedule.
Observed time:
12,18
